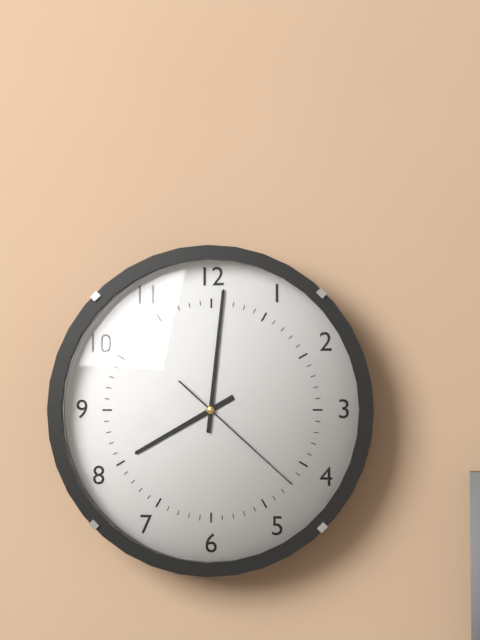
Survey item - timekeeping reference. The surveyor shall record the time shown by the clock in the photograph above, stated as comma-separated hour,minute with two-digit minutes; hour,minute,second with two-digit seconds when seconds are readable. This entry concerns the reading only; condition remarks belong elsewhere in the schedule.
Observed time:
8,01,22
